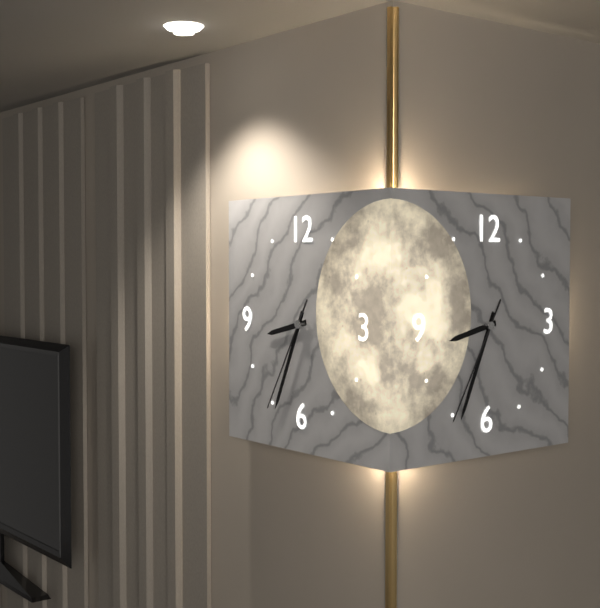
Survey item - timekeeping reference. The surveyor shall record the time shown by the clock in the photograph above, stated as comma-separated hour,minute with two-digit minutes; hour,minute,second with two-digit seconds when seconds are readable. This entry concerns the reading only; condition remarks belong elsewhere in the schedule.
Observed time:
8,34,35
